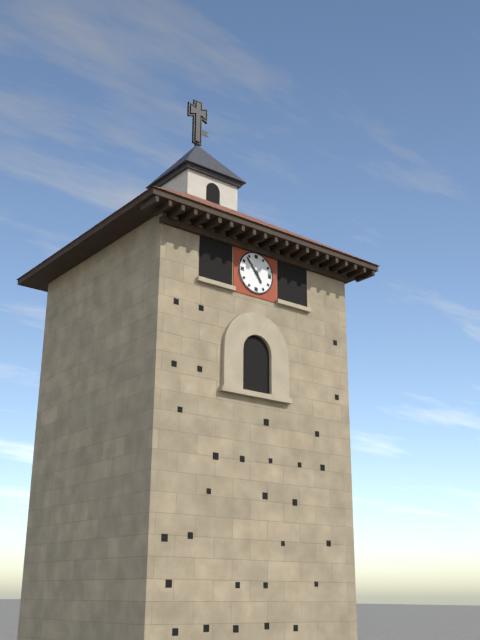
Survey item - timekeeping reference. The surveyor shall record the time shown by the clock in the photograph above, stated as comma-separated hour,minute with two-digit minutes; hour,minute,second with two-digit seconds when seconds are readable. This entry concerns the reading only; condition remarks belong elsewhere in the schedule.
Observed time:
4,53
